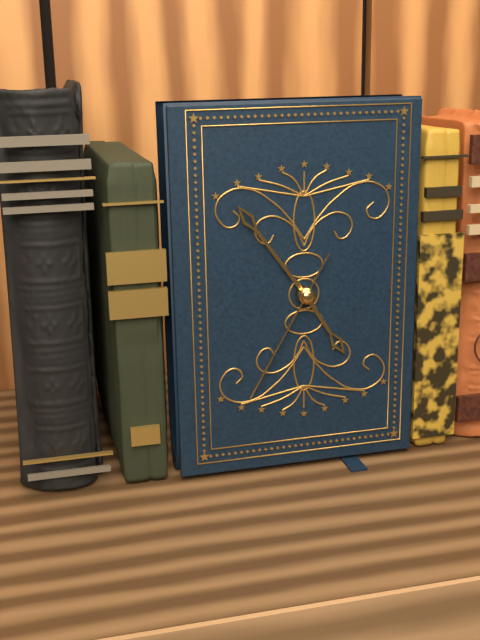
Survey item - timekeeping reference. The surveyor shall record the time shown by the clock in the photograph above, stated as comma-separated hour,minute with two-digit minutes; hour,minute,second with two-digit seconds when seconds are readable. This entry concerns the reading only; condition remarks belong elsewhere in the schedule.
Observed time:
4,54,35
